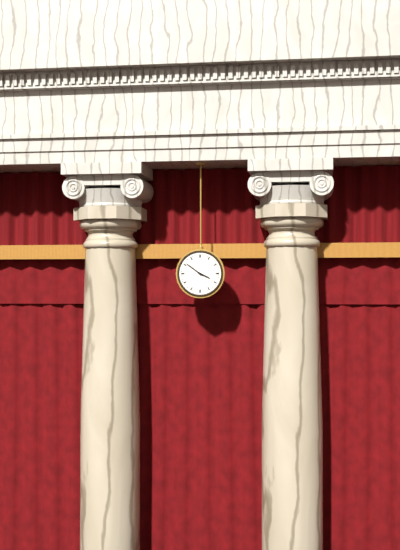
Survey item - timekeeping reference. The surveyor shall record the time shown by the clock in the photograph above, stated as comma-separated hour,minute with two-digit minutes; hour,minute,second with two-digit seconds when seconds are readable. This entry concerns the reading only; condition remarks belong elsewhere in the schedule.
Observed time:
3,51
